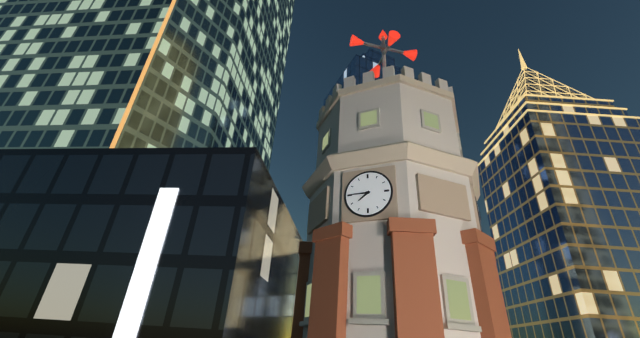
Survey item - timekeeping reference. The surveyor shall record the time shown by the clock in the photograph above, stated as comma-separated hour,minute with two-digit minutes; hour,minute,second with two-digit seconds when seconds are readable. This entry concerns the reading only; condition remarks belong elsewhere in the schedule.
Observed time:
7,45
